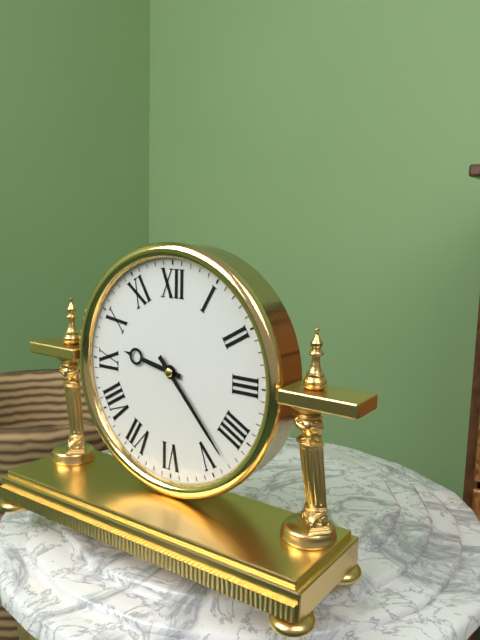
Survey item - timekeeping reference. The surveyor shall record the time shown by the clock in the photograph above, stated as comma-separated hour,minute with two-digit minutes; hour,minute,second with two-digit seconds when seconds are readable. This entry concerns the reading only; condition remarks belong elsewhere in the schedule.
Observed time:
9,23
